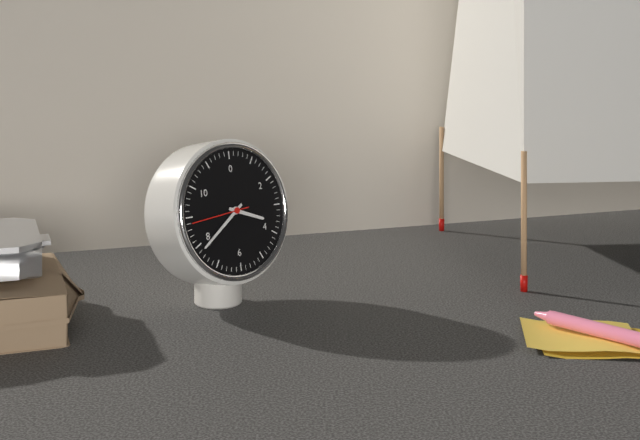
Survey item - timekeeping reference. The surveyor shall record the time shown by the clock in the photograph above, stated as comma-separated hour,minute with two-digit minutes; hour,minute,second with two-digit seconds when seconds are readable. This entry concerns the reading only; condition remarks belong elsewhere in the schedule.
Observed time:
3,39
